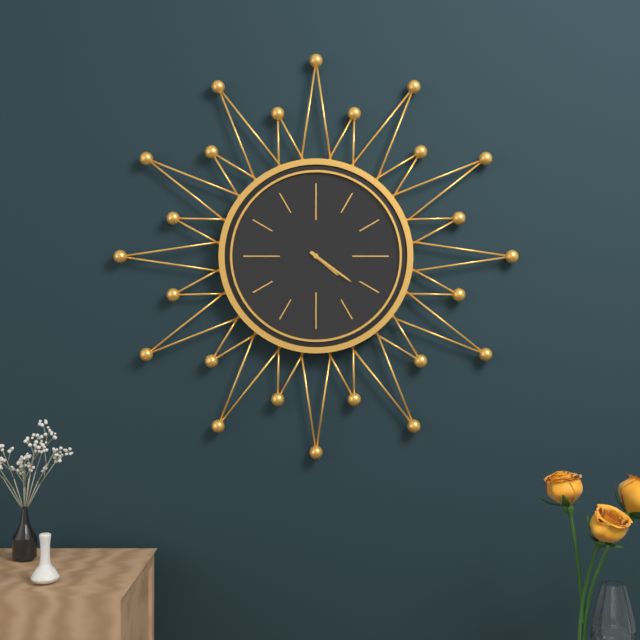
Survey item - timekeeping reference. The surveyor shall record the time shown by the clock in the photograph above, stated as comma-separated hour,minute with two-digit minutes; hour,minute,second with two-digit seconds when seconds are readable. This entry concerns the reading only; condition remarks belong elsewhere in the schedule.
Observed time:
4,21
